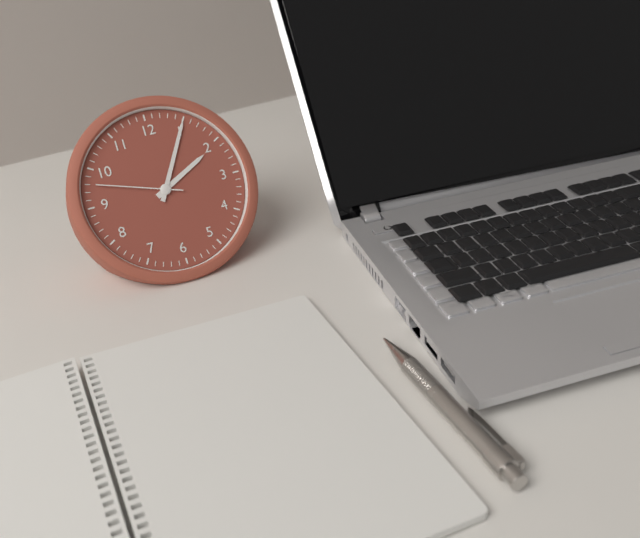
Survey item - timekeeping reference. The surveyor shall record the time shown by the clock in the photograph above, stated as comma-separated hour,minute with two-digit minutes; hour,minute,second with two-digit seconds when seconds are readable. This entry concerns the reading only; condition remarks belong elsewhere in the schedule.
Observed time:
2,05,48
